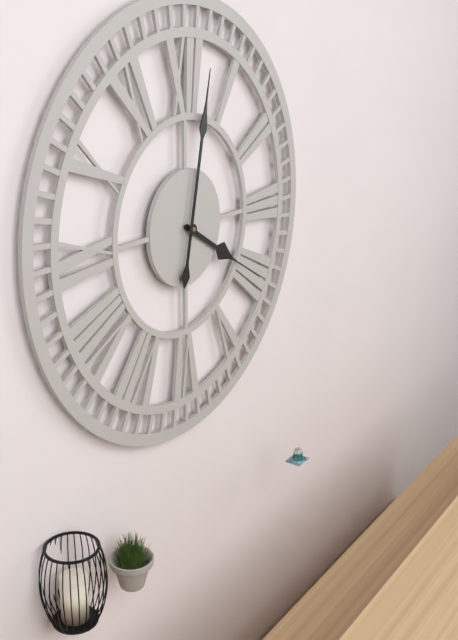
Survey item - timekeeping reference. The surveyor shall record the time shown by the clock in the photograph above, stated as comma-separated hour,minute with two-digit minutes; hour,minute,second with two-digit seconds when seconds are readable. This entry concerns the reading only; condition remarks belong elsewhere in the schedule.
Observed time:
4,02
